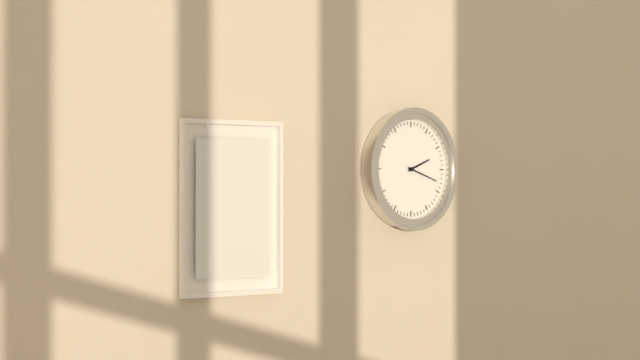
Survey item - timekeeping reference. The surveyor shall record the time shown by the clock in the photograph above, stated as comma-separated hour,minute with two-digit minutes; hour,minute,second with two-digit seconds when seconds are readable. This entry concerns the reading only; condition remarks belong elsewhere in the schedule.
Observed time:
2,18
